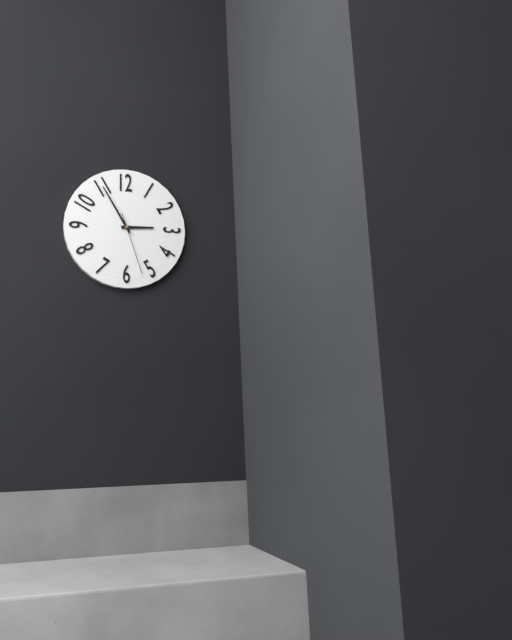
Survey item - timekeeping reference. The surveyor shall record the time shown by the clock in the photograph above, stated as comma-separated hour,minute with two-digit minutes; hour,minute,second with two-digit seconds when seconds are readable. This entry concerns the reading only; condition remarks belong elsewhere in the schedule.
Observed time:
2,55,27
